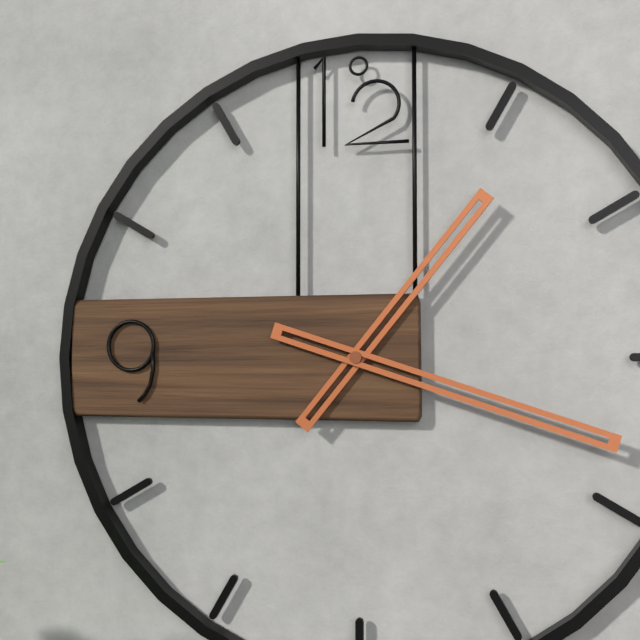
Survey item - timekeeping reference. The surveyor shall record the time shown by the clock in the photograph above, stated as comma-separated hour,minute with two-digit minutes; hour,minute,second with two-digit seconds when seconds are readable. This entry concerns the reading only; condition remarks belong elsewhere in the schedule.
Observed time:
1,18
